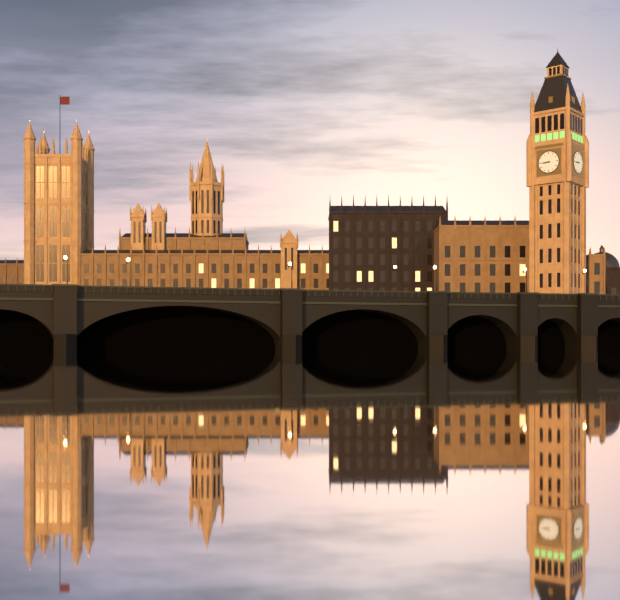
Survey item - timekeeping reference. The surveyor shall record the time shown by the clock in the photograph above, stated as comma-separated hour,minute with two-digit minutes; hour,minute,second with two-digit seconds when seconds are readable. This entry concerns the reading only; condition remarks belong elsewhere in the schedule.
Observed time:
8,45
